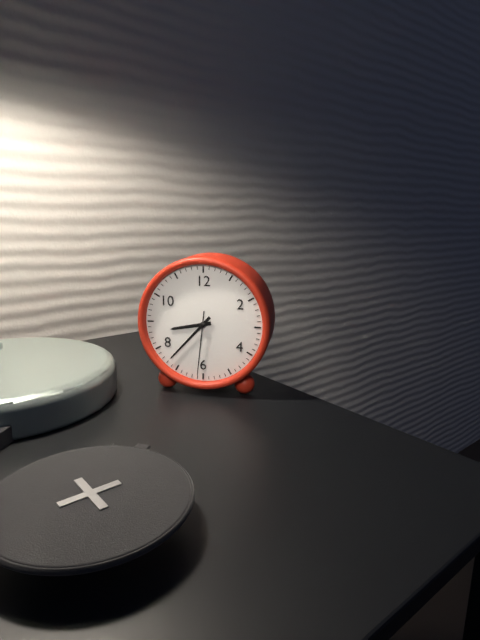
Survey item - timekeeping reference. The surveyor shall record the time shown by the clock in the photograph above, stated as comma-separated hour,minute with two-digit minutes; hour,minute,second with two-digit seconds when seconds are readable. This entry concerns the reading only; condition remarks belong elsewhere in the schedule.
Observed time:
8,37,31
